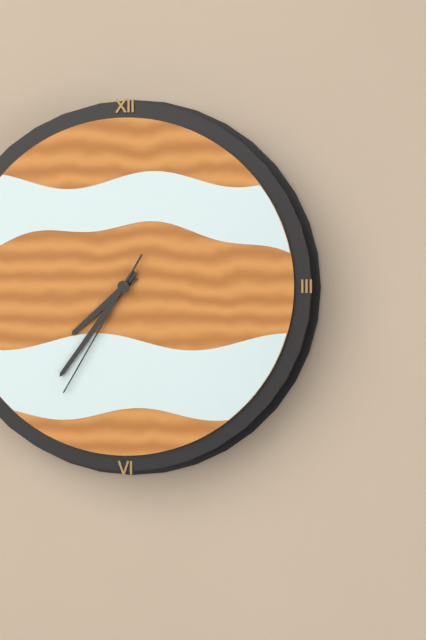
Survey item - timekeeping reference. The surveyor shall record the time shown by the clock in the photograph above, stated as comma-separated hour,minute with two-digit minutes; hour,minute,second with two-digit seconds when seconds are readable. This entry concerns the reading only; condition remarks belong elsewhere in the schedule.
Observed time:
7,36,35
